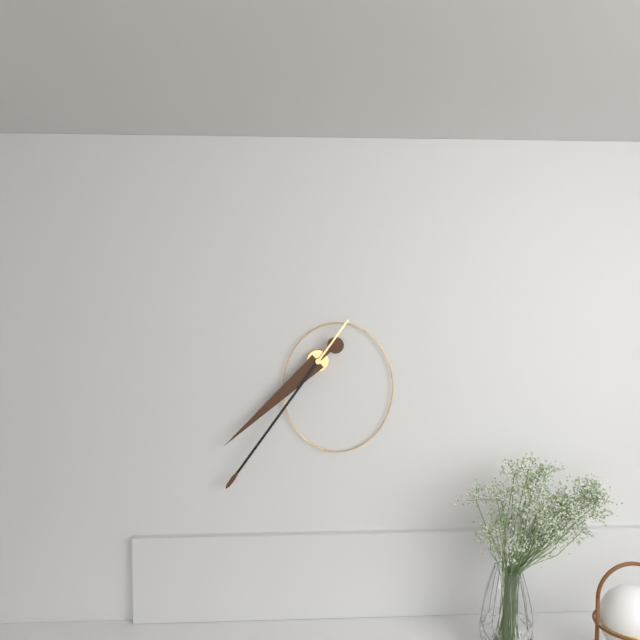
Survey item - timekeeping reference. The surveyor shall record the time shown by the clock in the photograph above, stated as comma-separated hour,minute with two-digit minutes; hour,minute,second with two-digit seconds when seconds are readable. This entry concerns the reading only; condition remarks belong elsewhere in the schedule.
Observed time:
7,36
